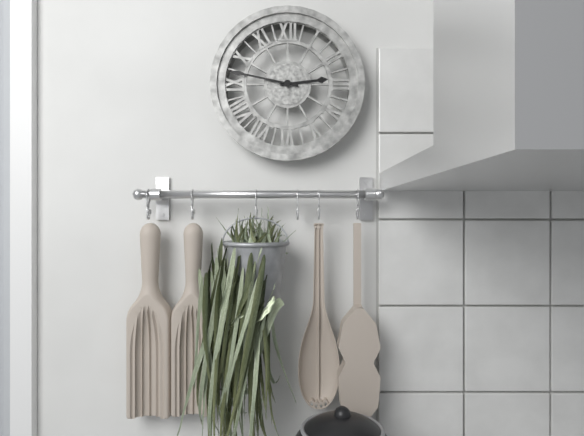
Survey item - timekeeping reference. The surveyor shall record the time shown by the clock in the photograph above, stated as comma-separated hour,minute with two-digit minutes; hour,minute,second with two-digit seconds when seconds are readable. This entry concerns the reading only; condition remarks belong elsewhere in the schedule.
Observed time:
2,47
